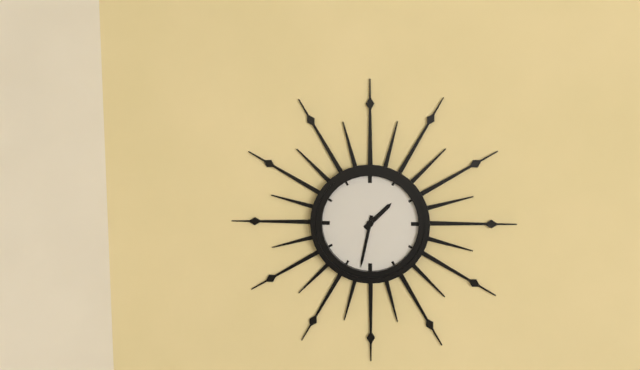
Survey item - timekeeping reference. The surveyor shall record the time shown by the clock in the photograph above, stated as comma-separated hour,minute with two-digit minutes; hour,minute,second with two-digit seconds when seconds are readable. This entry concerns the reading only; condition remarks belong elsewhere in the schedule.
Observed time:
1,32
